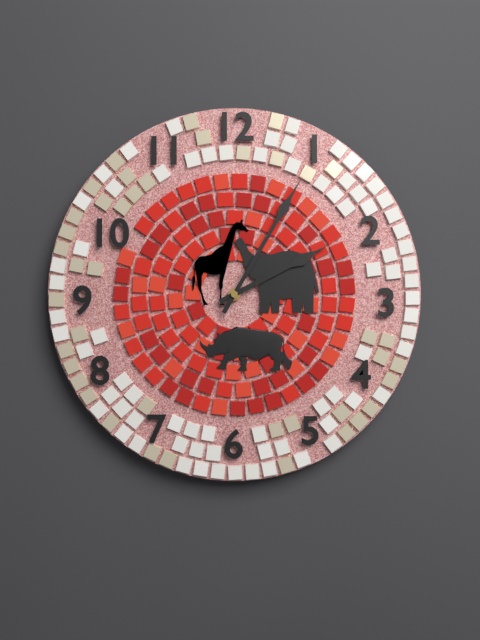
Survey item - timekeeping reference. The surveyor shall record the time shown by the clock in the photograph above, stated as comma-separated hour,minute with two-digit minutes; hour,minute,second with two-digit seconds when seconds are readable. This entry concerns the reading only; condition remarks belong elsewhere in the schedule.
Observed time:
2,05
